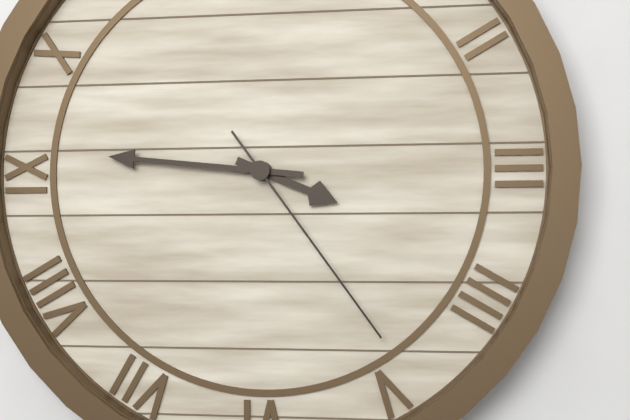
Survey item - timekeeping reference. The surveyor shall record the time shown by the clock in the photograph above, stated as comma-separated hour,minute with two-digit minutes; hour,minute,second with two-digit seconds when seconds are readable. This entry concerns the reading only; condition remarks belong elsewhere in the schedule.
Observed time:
3,46,24
